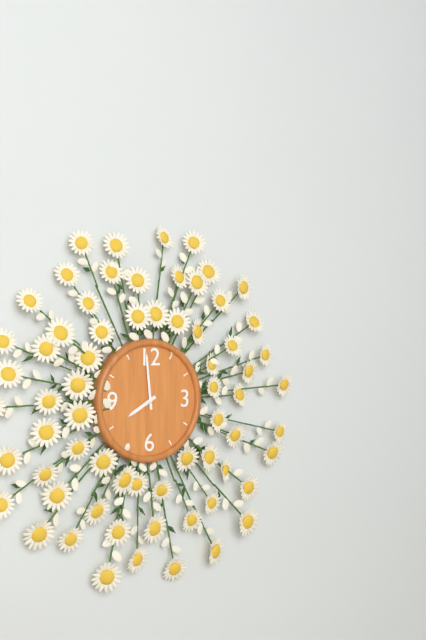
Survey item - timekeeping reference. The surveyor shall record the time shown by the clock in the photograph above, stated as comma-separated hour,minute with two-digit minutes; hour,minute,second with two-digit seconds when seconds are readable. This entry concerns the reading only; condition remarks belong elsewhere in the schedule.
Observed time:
7,59
